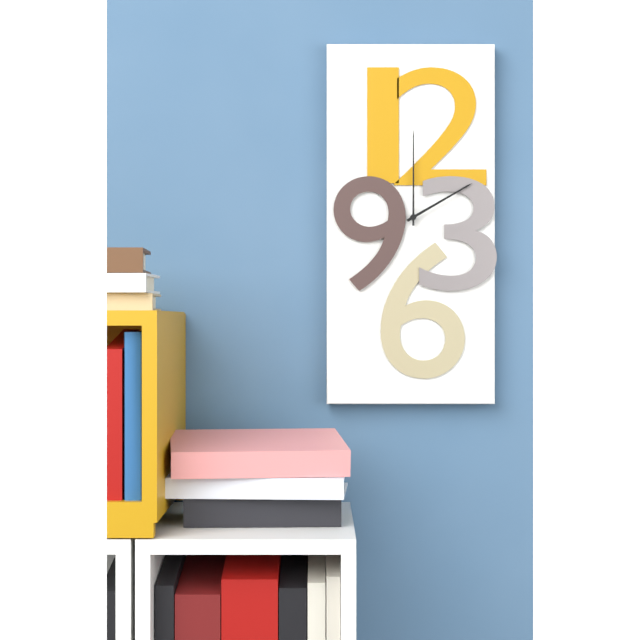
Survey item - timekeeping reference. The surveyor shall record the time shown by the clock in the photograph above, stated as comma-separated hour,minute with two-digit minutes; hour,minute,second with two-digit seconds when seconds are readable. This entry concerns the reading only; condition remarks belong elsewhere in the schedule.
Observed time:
2,00
